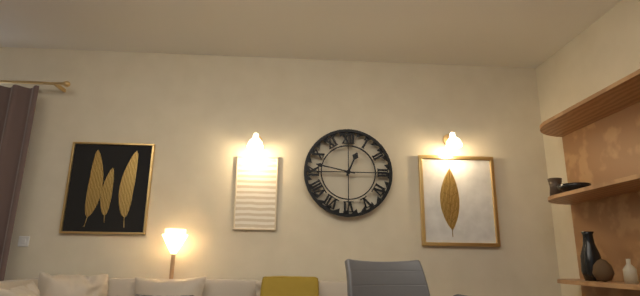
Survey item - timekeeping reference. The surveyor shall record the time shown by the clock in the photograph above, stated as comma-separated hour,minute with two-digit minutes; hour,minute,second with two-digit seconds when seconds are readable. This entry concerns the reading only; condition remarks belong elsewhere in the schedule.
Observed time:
12,47
